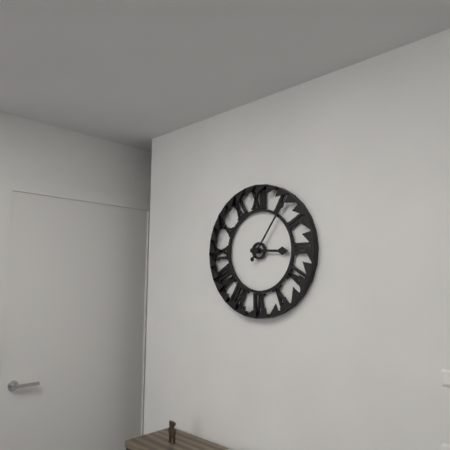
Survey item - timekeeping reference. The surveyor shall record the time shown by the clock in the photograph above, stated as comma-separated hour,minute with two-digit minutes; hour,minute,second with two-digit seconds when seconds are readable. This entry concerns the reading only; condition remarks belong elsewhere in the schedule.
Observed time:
3,06
